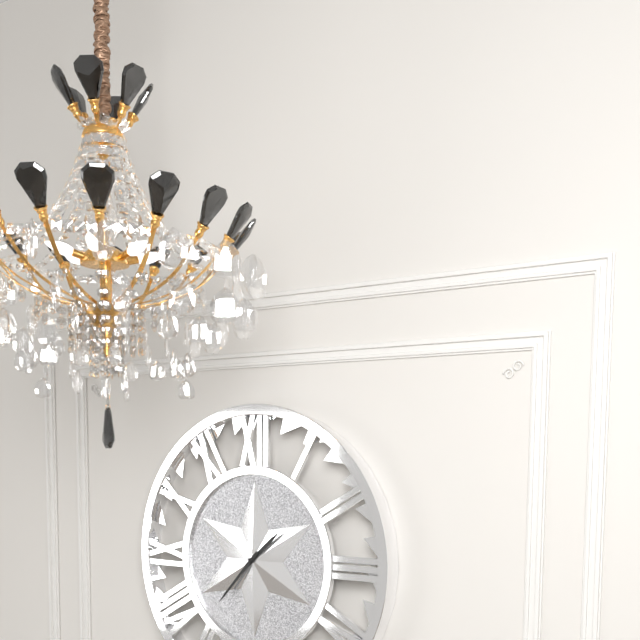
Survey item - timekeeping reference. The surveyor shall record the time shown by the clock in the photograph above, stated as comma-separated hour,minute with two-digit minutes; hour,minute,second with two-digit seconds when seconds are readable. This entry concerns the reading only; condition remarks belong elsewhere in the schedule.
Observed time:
1,37
